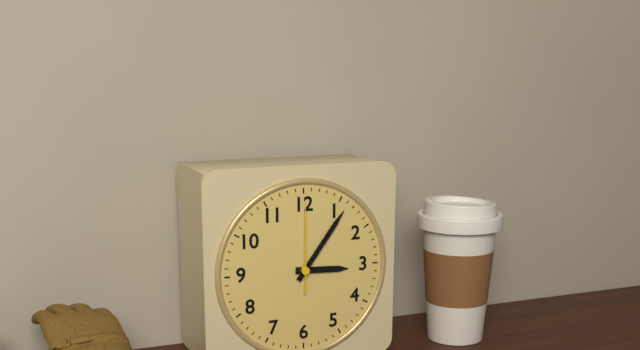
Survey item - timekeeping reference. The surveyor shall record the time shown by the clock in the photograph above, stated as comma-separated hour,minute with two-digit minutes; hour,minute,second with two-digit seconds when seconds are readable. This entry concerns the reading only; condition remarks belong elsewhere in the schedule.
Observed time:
3,06,00
